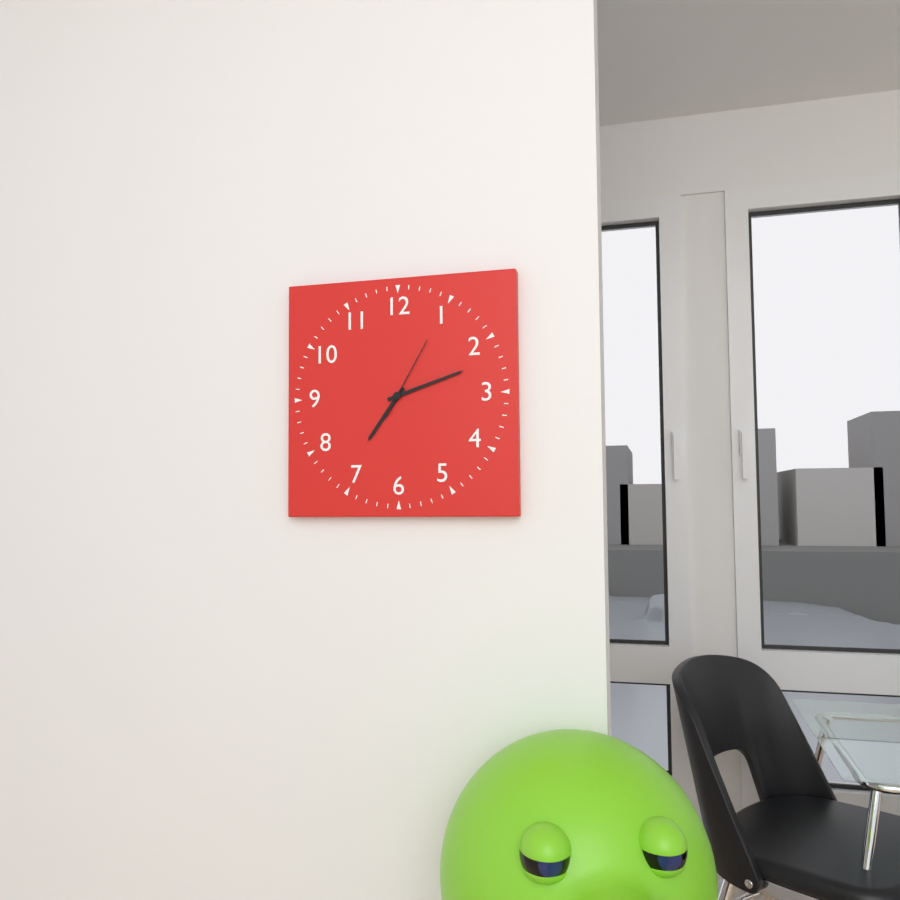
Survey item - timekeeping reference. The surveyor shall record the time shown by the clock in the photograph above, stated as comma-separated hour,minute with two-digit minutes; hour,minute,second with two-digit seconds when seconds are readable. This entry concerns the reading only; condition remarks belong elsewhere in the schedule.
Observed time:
7,12,05
